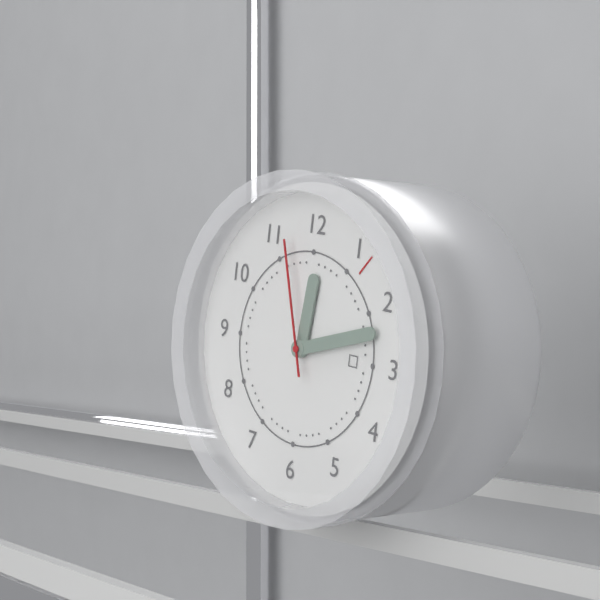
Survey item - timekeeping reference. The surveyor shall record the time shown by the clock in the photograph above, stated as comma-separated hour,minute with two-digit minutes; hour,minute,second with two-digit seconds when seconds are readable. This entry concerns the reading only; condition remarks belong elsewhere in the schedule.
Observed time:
12,12,57
